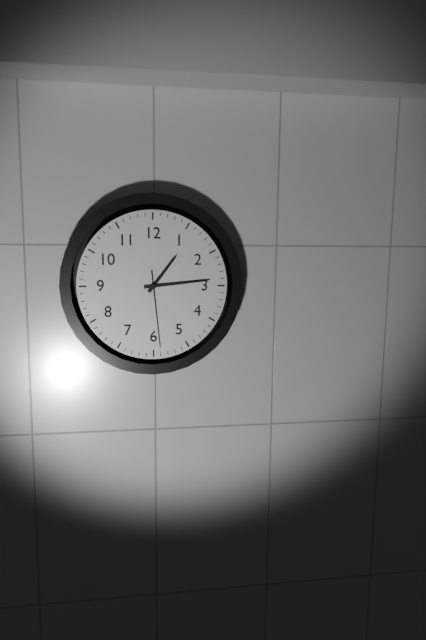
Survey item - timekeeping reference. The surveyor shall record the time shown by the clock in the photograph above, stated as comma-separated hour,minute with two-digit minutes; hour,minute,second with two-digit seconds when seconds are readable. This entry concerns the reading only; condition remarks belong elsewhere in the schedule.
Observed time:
1,14,29
